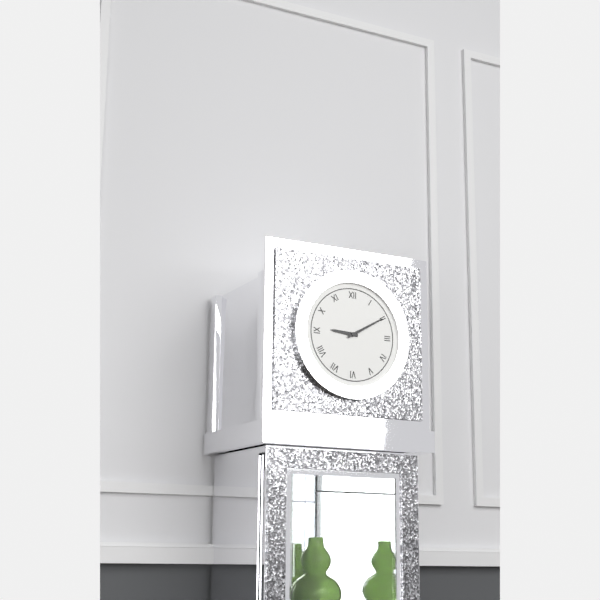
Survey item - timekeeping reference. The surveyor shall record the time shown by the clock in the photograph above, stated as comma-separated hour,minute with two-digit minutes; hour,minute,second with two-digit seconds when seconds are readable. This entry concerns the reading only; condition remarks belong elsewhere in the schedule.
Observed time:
9,10
